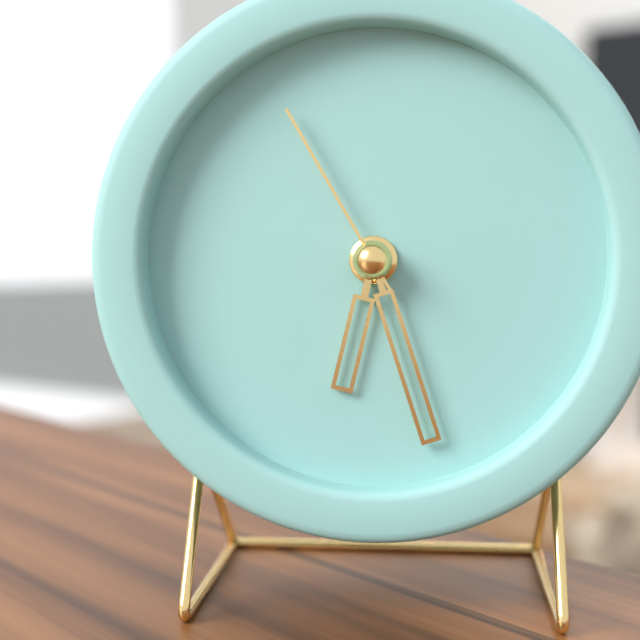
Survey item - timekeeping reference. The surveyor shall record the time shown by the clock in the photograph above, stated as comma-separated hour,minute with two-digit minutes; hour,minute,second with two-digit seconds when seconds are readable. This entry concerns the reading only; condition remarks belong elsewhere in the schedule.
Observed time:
6,27,55
